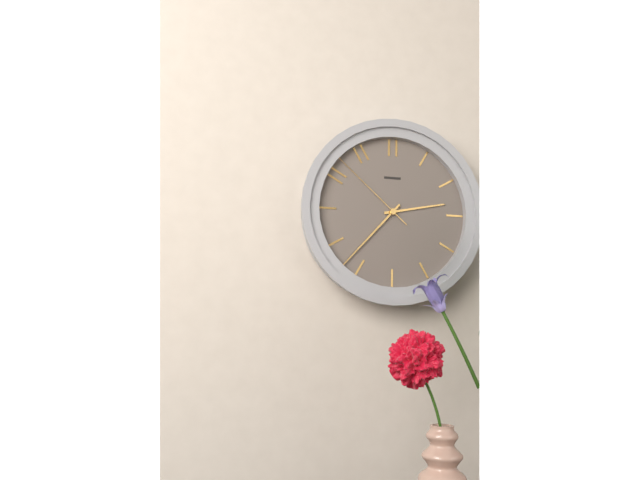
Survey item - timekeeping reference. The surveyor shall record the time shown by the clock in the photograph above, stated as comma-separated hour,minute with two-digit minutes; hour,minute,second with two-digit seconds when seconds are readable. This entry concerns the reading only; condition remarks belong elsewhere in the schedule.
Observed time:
2,37,52
